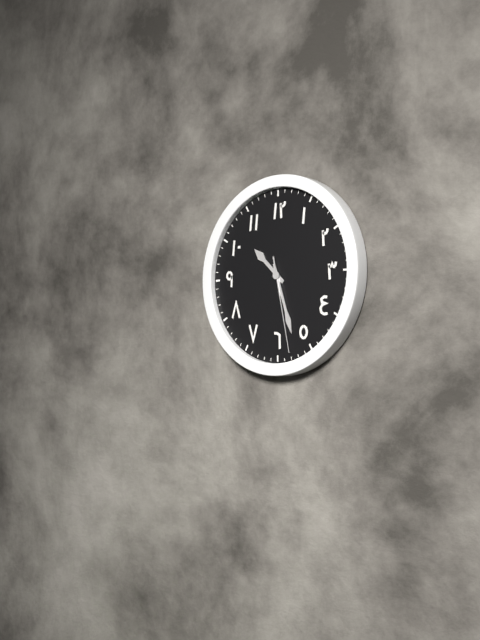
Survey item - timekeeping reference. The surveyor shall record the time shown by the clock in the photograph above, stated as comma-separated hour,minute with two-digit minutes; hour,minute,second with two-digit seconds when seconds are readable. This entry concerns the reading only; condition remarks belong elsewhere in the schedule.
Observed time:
10,27,28
